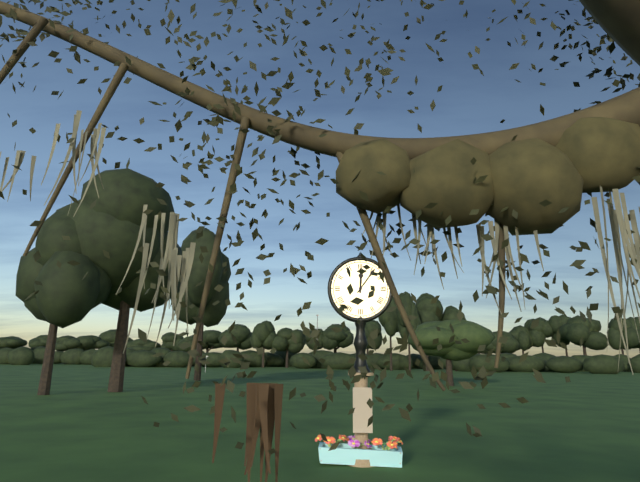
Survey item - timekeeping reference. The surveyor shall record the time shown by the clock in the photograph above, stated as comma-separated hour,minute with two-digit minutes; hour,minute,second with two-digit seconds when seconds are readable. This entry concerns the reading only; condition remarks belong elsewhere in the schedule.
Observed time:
12,06
